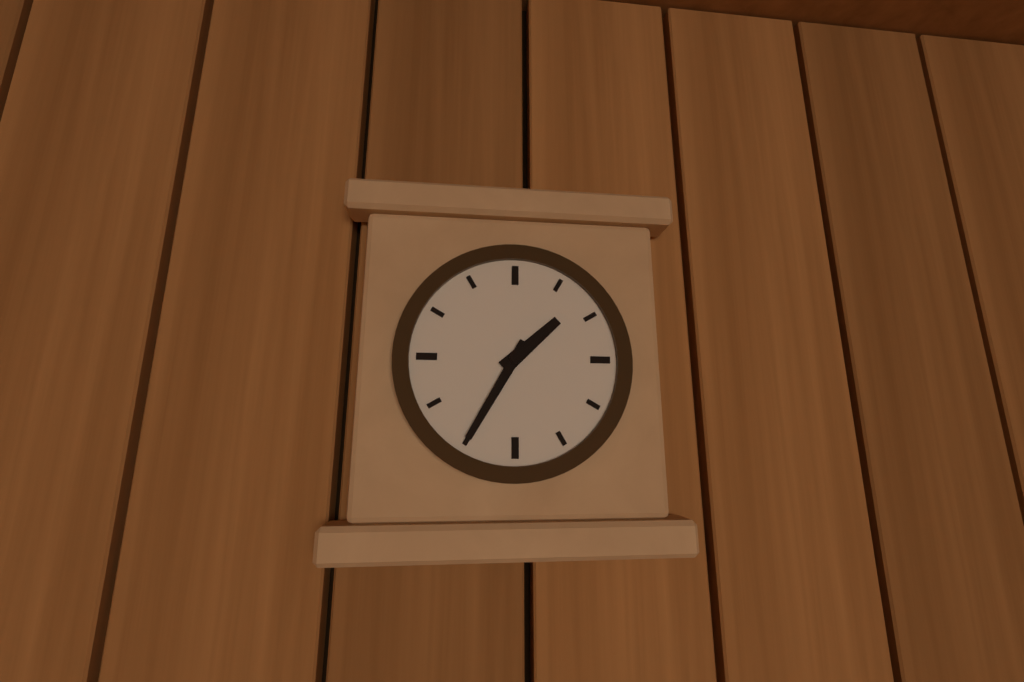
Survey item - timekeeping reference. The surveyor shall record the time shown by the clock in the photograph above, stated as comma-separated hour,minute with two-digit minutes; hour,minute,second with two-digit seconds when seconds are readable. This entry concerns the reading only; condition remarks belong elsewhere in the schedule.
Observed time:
1,35
